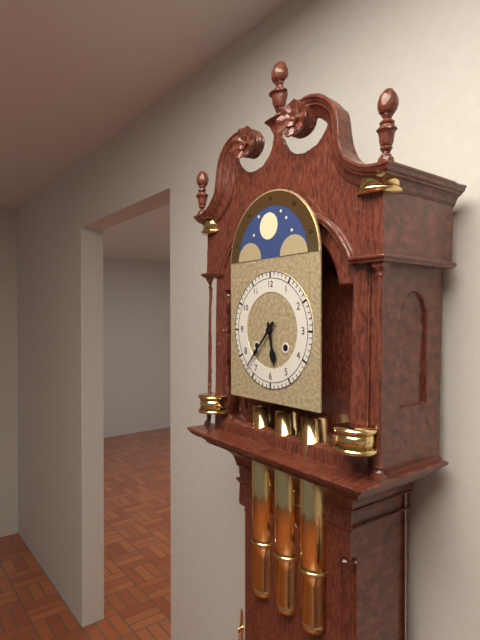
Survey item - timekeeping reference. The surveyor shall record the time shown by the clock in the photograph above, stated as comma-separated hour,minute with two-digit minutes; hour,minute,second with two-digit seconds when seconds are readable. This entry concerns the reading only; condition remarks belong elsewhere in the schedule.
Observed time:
5,37
